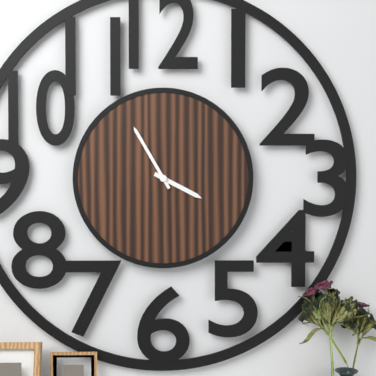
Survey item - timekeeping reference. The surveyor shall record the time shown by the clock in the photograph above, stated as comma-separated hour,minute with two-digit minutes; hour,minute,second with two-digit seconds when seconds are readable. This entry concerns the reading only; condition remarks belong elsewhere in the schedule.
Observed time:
3,55
